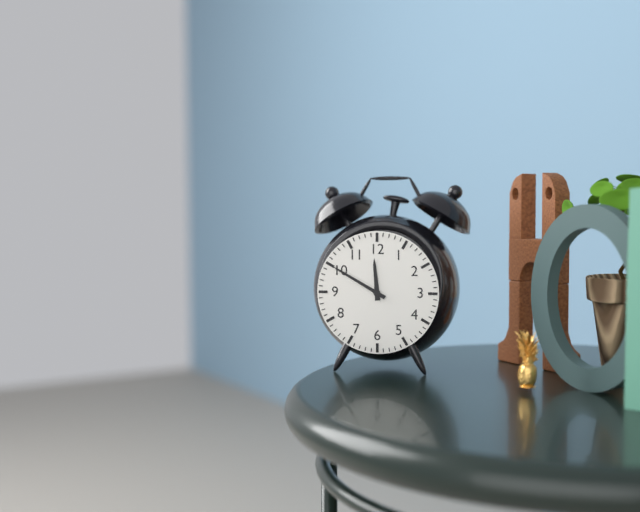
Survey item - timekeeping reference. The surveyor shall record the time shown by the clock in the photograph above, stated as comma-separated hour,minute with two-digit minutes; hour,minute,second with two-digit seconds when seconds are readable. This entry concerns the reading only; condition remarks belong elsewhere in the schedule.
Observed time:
11,50
